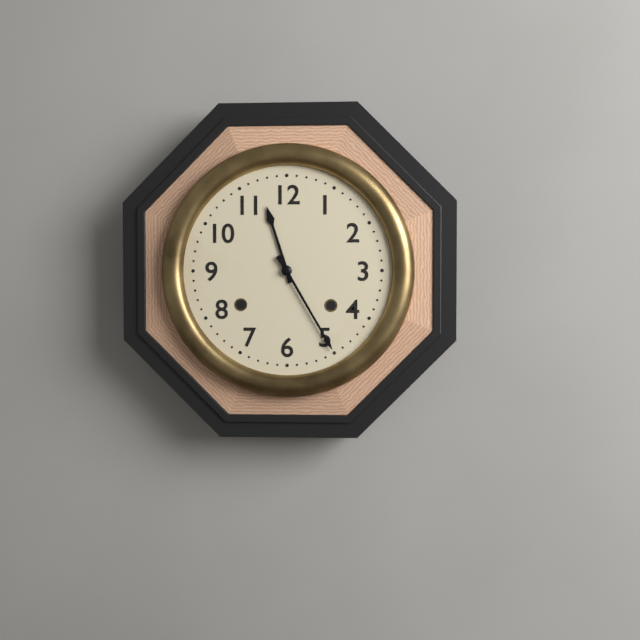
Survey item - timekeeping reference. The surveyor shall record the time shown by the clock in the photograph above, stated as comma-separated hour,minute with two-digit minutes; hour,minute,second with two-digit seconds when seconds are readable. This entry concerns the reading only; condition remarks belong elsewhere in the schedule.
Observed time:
11,25
